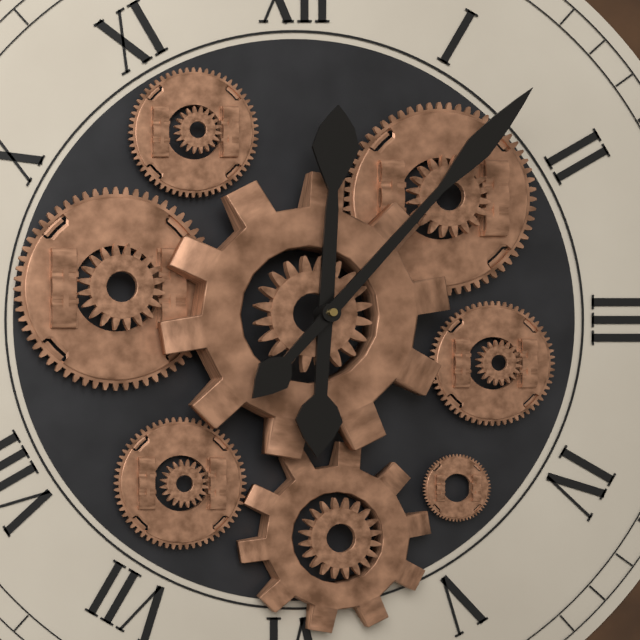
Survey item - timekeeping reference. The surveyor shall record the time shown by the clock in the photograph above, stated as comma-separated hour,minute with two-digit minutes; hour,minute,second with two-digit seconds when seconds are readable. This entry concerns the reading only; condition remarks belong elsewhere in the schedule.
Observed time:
12,07
